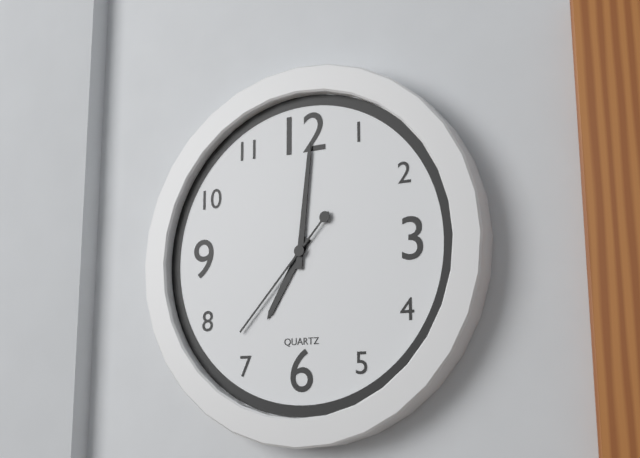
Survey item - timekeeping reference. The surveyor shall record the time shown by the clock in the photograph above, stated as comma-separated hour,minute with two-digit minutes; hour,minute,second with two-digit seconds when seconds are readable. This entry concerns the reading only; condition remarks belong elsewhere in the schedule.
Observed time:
7,01,37
